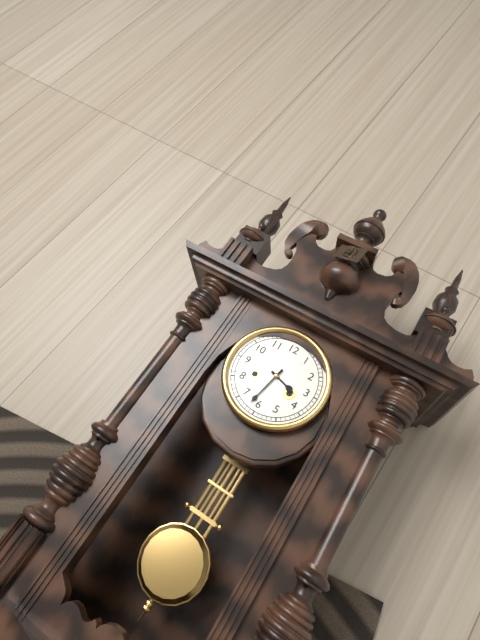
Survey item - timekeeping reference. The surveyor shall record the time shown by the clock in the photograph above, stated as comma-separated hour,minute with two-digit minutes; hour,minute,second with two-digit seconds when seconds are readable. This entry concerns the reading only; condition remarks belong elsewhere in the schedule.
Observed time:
3,32
